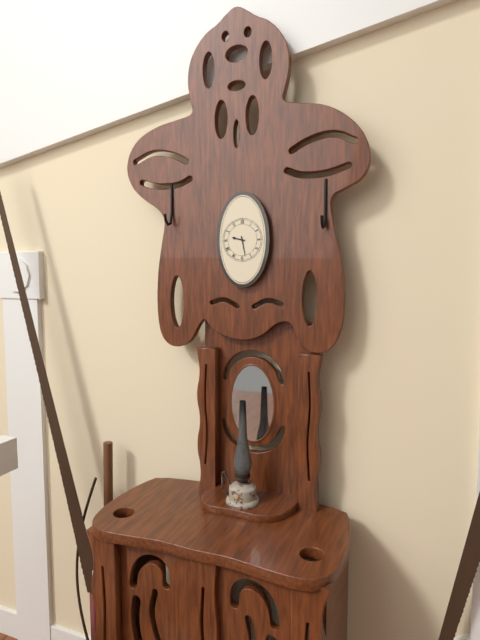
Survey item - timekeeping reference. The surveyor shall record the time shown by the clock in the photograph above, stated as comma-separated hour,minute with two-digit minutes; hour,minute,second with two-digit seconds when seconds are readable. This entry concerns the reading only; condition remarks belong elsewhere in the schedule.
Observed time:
9,28
